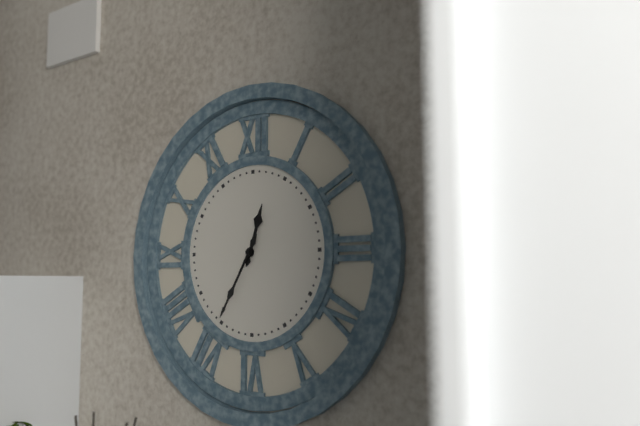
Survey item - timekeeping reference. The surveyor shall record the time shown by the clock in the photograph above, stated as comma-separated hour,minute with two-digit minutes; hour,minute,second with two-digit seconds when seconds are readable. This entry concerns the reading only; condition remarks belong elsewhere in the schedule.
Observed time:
12,35
